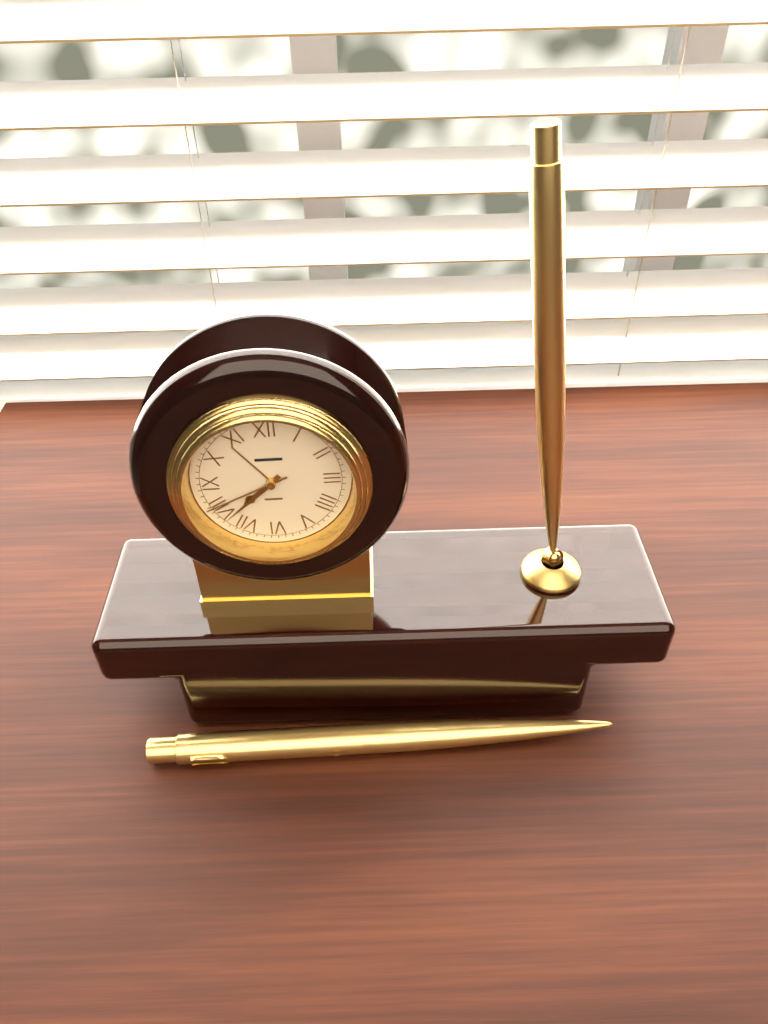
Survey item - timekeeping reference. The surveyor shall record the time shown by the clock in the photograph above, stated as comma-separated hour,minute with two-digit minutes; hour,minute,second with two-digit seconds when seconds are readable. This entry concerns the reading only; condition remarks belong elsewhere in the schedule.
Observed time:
7,38,41
